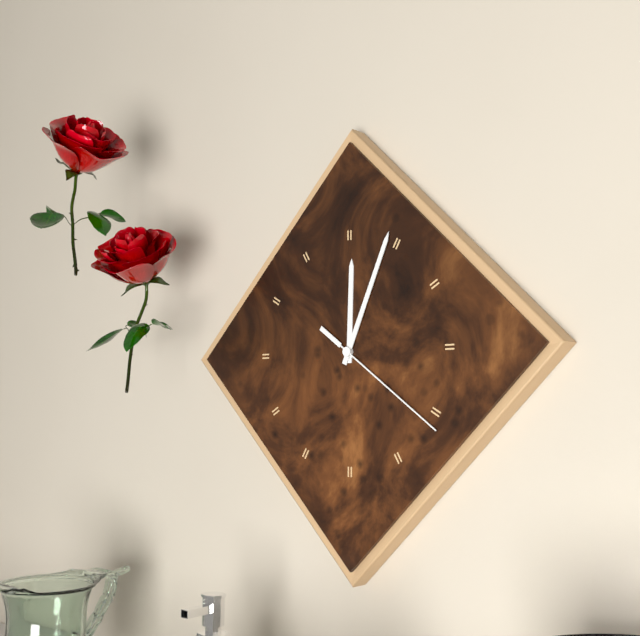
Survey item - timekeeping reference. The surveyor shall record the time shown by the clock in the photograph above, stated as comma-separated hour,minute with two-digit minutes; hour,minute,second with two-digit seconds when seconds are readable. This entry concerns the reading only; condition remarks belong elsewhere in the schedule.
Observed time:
12,04,21
